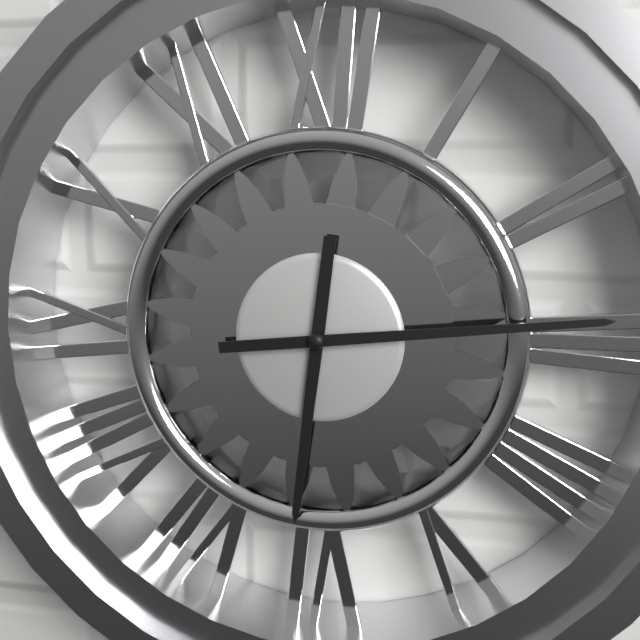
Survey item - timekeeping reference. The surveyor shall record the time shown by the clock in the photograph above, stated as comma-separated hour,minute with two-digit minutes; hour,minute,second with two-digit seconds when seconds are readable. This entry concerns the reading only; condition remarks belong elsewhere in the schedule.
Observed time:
6,14
